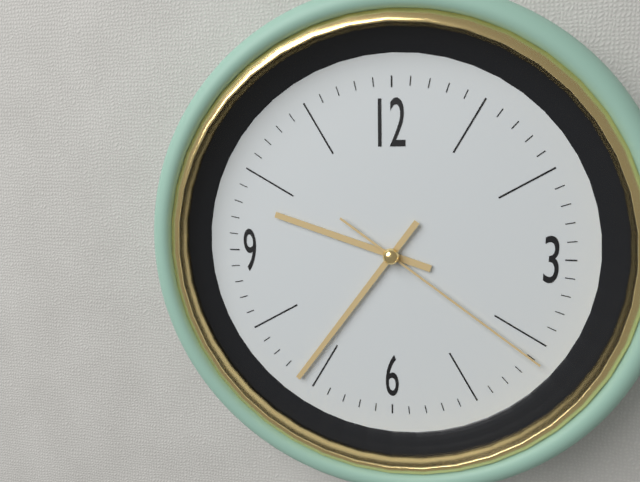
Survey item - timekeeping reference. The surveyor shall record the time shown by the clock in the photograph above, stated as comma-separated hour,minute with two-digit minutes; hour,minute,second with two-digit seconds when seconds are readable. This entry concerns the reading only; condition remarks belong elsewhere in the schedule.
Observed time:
9,36,21
